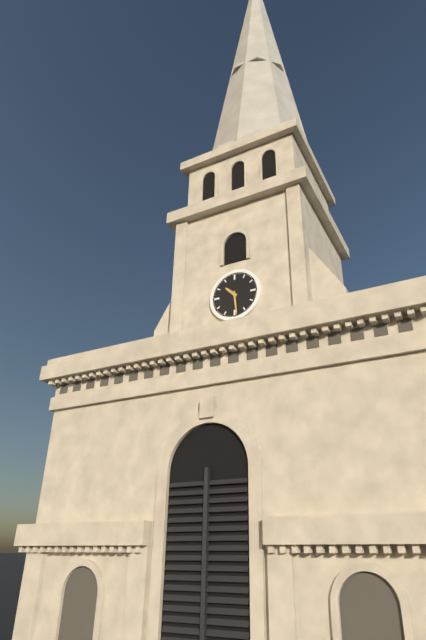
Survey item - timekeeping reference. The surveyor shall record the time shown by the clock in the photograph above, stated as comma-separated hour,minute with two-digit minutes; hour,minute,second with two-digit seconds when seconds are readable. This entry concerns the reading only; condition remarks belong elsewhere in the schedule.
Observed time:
10,29
